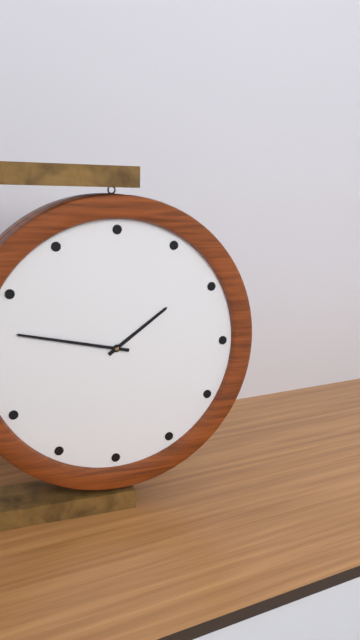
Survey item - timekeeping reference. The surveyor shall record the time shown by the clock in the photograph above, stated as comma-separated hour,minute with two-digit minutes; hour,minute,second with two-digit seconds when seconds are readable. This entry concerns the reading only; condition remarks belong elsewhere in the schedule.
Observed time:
1,47
